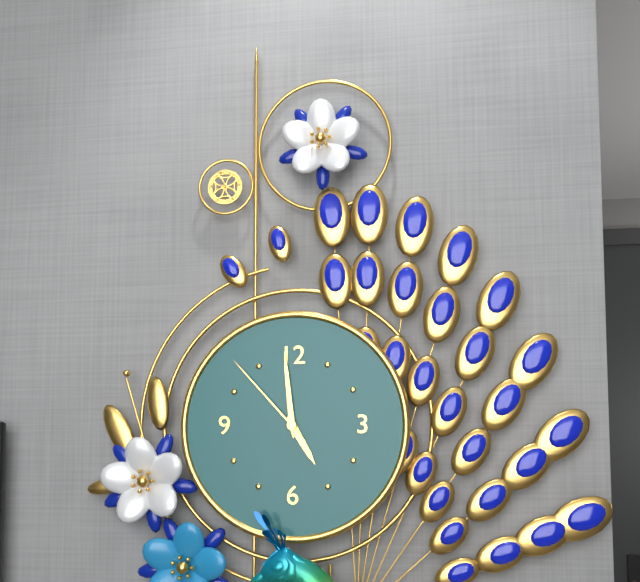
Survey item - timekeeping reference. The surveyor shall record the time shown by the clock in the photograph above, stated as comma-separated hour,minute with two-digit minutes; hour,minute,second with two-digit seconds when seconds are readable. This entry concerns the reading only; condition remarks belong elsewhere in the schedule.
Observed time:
4,59,53
